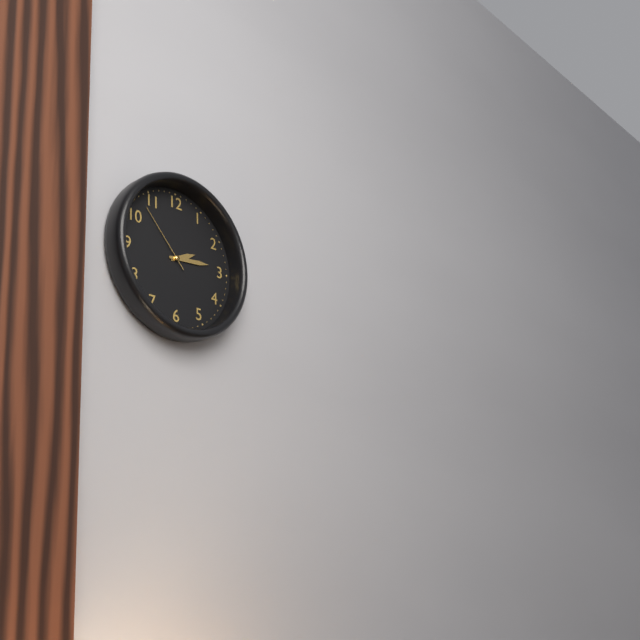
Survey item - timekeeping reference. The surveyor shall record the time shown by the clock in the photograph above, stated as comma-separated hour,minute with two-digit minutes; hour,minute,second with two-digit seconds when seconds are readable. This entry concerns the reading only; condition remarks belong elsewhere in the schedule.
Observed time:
2,14,53
